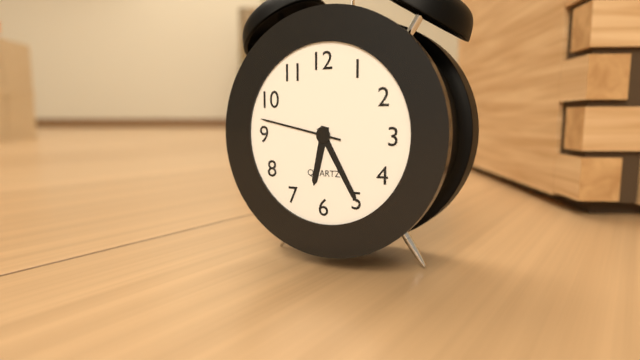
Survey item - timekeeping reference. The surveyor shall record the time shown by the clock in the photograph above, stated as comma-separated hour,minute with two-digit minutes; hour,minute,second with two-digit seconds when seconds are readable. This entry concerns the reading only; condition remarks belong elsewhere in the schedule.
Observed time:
6,25,47
